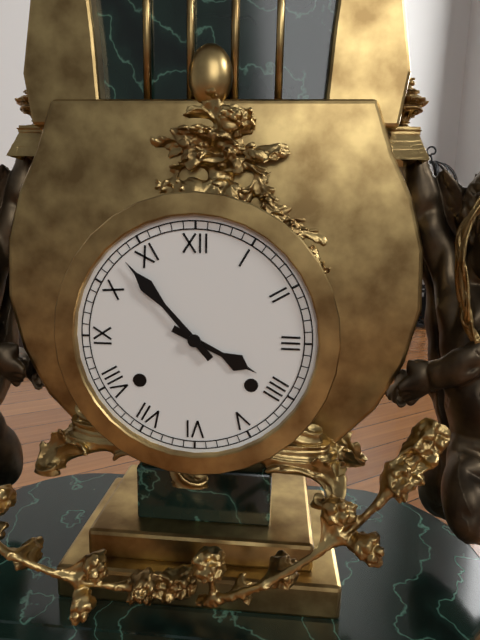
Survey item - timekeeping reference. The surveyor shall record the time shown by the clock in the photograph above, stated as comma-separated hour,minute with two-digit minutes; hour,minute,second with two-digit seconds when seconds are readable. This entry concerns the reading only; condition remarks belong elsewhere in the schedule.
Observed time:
3,53
